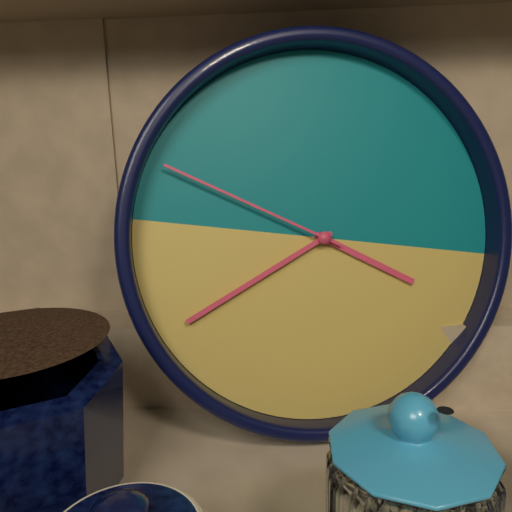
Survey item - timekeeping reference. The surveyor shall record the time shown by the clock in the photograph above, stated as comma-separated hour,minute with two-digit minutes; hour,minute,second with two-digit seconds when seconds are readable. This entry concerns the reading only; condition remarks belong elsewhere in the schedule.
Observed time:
3,39,48
